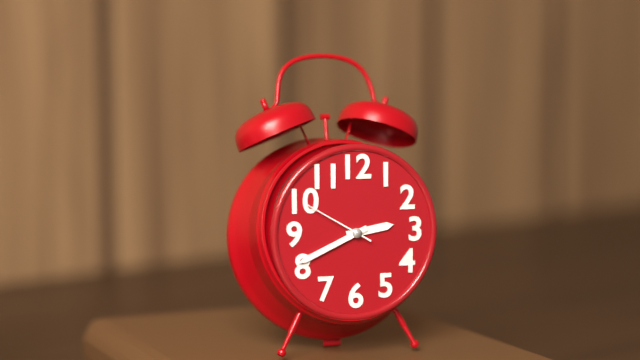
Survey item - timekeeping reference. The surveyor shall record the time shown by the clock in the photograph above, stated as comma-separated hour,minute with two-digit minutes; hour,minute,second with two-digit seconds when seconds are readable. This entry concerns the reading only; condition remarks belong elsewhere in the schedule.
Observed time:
2,41,50
